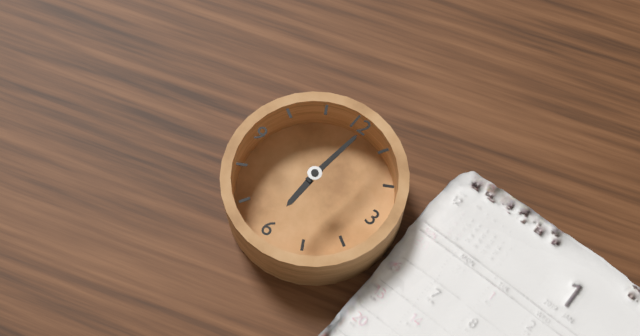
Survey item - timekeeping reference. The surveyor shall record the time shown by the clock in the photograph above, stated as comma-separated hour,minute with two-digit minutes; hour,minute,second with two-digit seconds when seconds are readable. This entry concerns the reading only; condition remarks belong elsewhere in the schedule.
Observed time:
6,01
